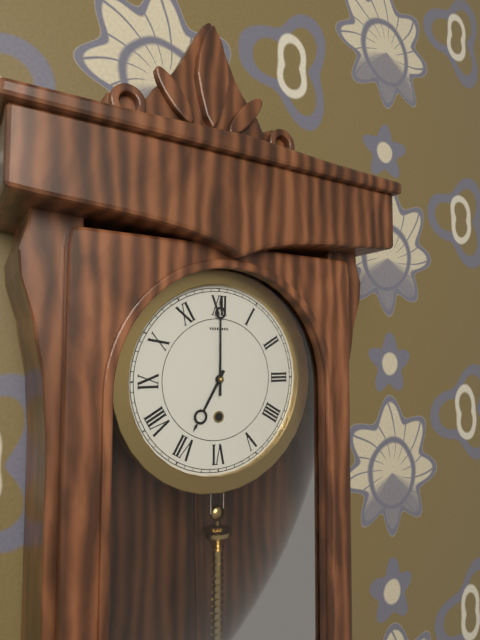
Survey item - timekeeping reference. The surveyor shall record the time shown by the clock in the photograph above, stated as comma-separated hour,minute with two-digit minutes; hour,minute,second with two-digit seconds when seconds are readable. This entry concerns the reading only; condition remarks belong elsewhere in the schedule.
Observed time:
7,00
